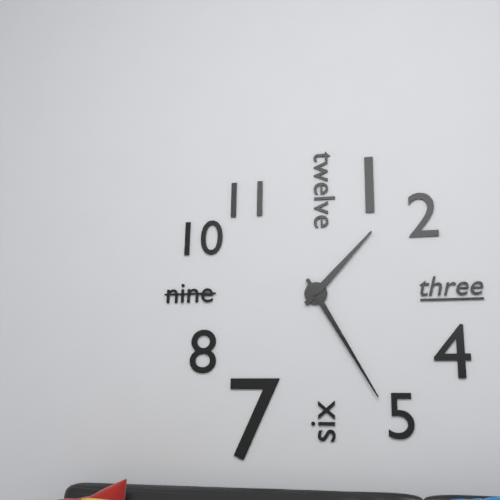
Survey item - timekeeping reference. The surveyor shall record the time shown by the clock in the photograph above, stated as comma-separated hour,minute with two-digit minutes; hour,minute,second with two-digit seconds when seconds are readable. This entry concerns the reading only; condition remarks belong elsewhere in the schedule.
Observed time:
1,25
